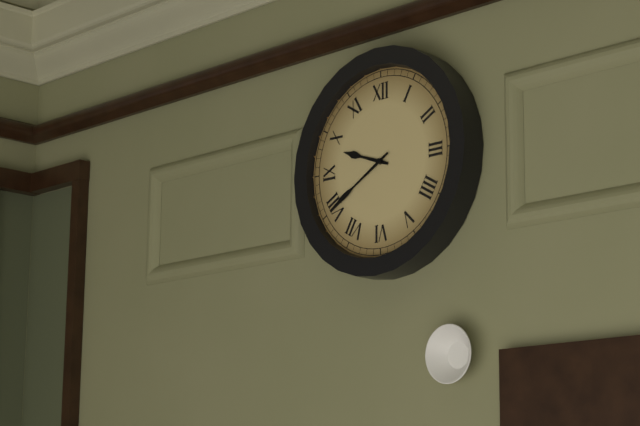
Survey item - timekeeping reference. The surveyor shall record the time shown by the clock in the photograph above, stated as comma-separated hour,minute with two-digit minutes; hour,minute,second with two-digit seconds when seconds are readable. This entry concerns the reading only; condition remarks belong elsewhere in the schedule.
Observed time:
9,40
